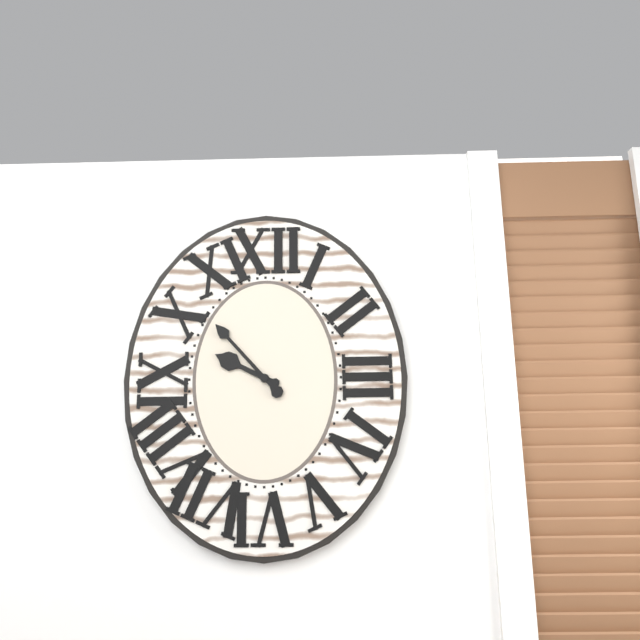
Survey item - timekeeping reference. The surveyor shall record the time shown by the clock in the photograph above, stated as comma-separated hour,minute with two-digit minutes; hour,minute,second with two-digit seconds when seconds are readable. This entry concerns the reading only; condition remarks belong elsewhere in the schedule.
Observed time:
9,53
